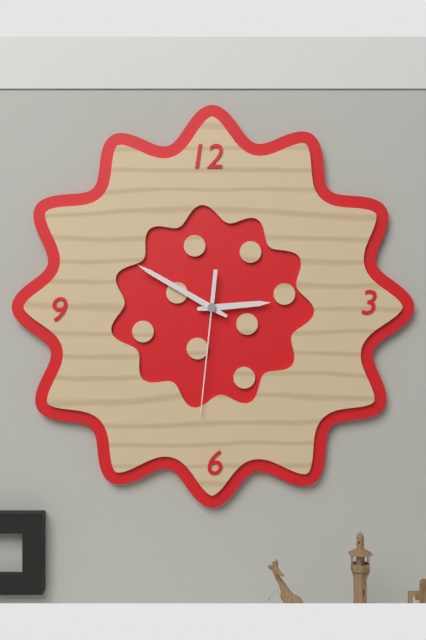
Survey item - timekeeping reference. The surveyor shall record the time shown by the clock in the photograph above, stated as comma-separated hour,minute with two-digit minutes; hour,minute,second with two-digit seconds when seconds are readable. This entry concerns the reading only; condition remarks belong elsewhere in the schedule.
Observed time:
2,50,31
